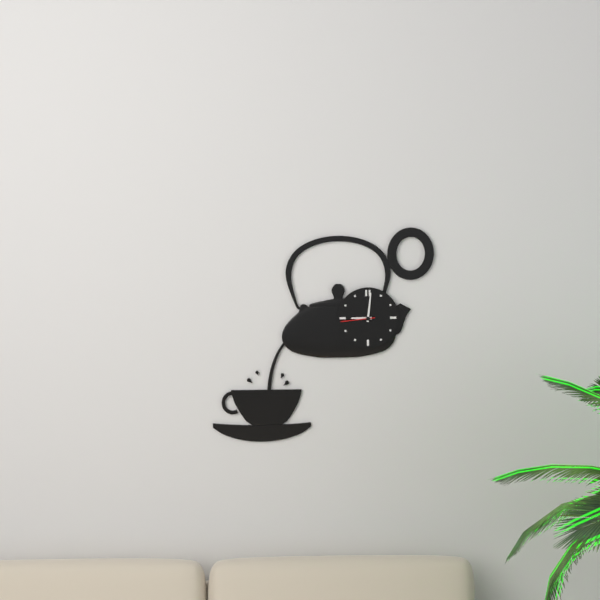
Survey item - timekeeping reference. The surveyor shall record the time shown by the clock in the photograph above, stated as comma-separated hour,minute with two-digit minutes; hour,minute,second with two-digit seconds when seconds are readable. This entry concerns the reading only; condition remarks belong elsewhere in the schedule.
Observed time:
9,01
